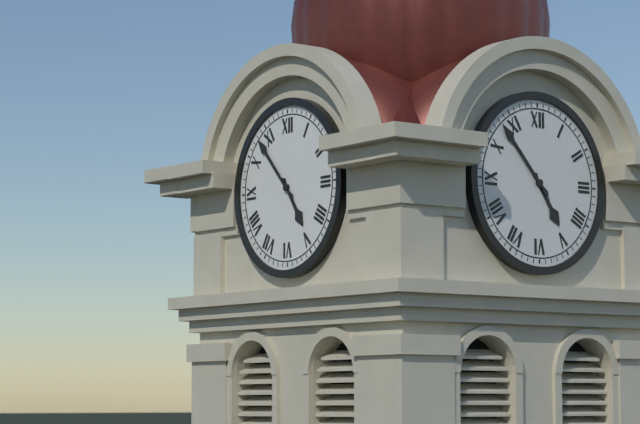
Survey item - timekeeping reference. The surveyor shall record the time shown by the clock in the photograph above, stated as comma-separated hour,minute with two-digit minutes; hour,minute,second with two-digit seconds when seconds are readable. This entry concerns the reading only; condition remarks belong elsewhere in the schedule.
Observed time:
4,53
